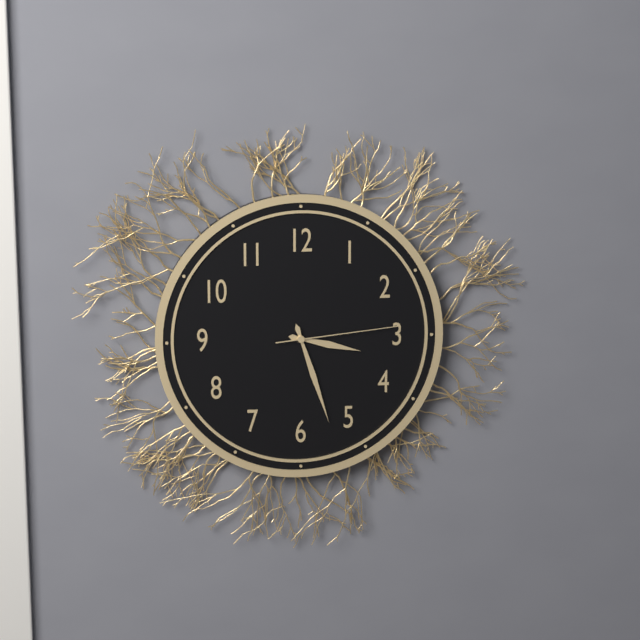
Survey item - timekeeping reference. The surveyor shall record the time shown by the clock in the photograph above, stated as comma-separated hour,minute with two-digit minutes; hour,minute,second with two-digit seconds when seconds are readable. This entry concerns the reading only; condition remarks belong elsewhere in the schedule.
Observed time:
3,27,14
